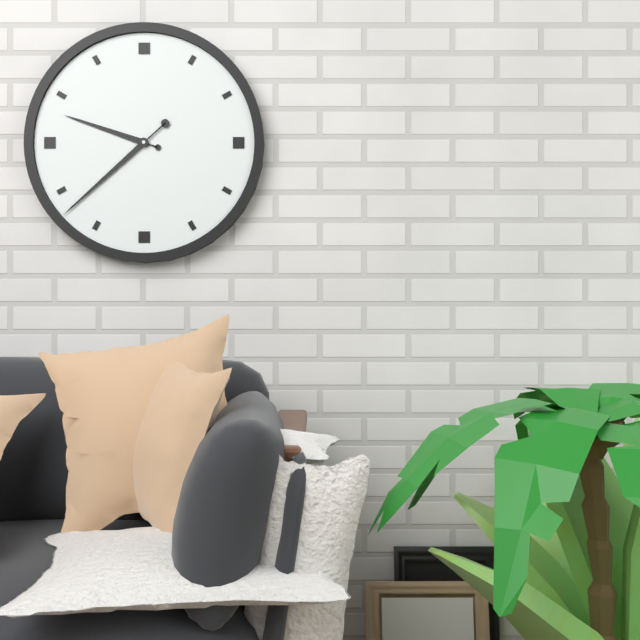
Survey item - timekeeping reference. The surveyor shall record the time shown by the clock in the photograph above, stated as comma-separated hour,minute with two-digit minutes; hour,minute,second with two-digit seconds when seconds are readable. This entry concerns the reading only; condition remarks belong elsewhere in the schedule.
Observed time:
9,38
